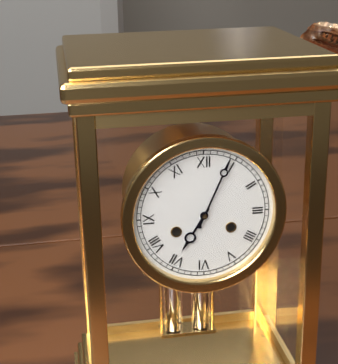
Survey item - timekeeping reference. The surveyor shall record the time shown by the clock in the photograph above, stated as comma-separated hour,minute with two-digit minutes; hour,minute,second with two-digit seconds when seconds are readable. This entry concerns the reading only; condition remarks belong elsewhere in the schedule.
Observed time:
7,04
